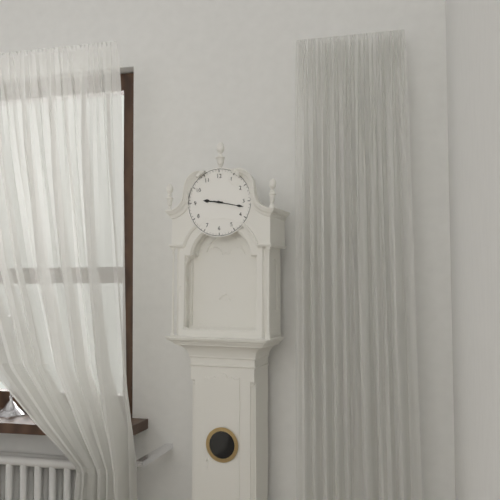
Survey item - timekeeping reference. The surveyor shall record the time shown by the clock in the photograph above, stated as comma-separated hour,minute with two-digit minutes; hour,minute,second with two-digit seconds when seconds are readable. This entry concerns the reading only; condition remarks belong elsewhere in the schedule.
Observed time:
9,17
